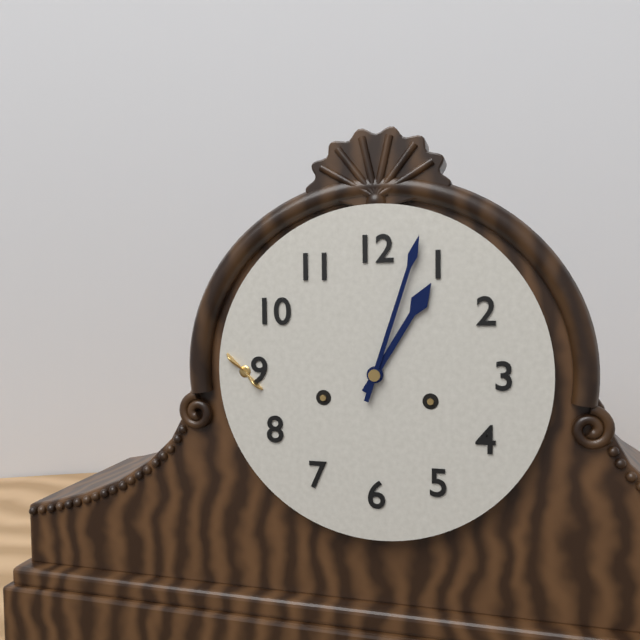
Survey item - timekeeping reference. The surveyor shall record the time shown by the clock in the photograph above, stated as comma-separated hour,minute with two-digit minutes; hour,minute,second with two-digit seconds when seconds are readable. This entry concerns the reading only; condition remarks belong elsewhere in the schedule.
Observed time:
1,03
